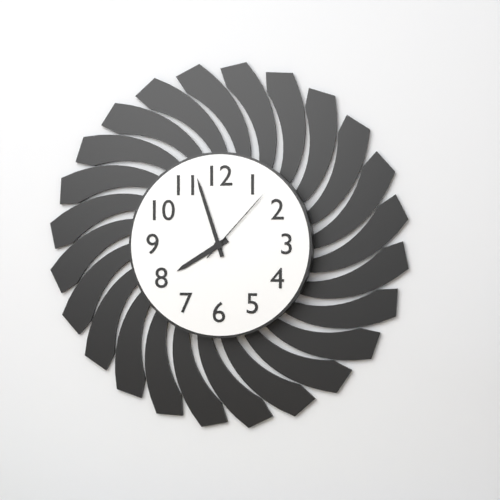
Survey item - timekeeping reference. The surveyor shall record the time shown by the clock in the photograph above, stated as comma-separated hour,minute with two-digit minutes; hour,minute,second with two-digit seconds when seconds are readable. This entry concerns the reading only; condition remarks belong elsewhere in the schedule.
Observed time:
7,57,07
